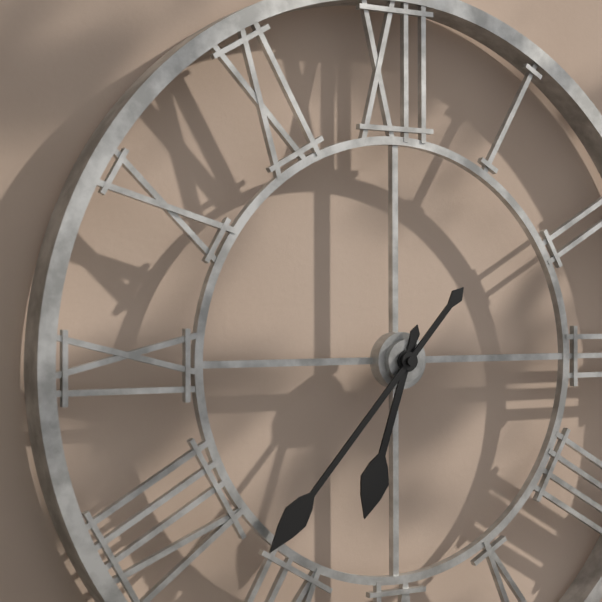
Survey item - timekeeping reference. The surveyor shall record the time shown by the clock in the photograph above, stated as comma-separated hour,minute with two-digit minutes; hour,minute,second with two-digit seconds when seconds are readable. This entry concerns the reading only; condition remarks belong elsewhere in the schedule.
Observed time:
6,37
